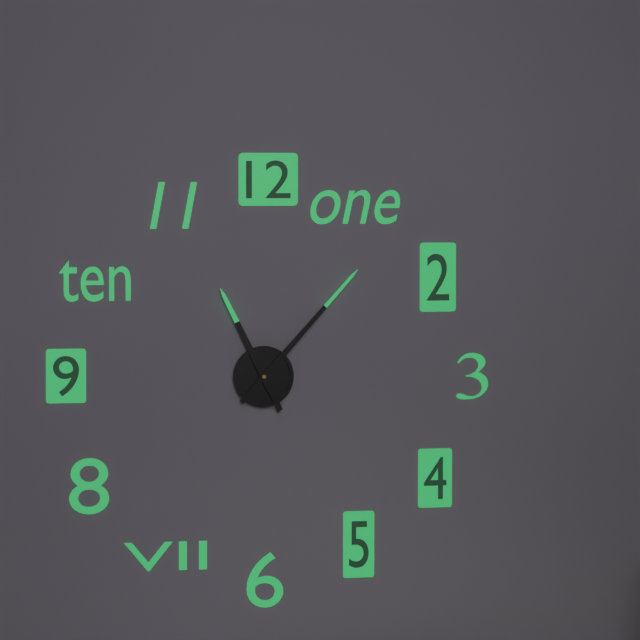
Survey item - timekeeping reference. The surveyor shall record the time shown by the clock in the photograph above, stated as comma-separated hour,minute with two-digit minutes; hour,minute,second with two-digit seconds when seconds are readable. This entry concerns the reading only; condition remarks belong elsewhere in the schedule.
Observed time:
11,07
